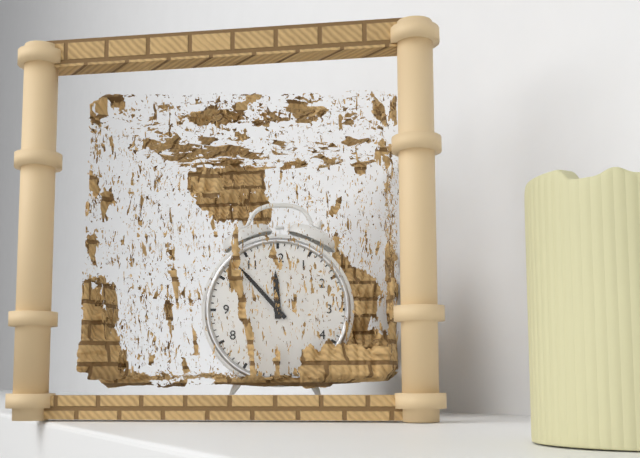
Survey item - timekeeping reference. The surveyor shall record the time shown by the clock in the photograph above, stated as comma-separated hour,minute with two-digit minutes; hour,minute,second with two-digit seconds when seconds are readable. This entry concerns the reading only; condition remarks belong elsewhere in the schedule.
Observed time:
11,53
